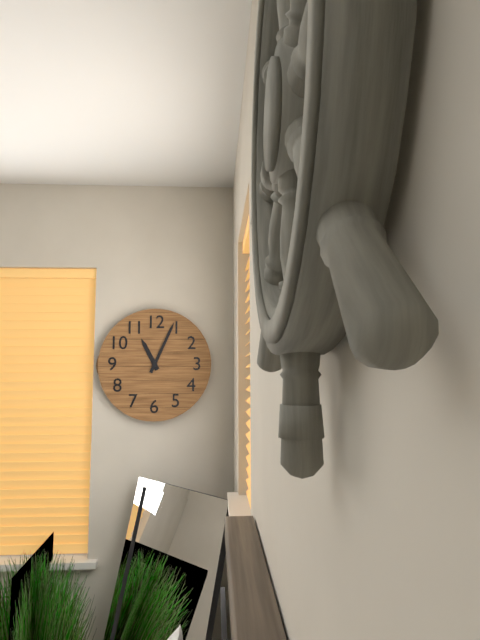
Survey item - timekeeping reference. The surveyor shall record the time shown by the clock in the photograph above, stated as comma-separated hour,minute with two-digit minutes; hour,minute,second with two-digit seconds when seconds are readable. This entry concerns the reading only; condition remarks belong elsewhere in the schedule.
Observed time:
11,04
